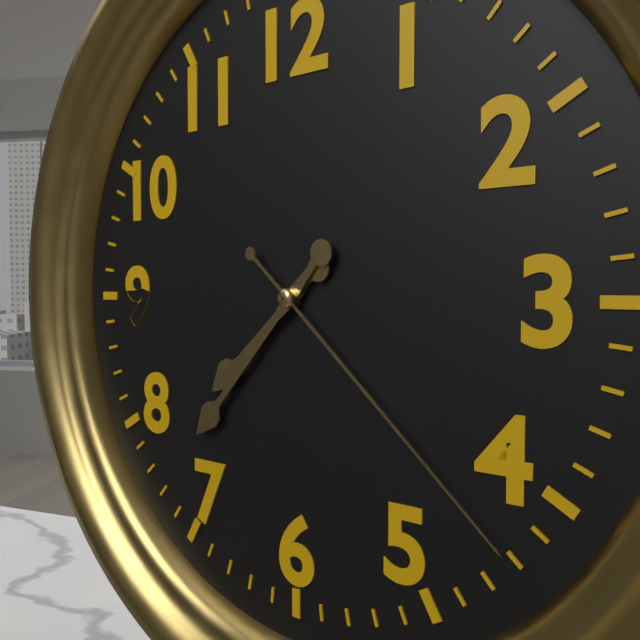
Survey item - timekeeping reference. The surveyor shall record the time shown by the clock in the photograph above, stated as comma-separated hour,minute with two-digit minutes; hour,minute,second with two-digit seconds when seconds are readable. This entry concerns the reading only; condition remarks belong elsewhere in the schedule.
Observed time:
7,37,22
